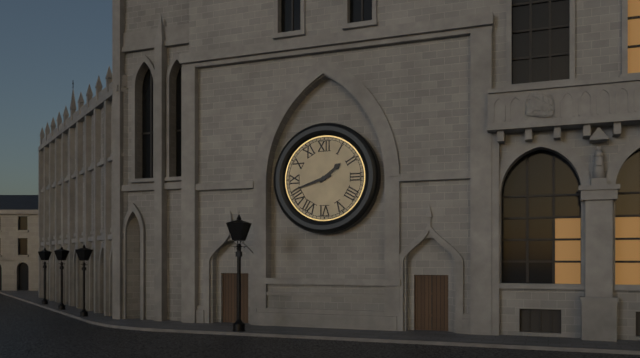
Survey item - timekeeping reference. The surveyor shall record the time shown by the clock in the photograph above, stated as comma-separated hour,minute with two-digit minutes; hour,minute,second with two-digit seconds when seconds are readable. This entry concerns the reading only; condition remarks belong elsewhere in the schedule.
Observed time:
1,42
